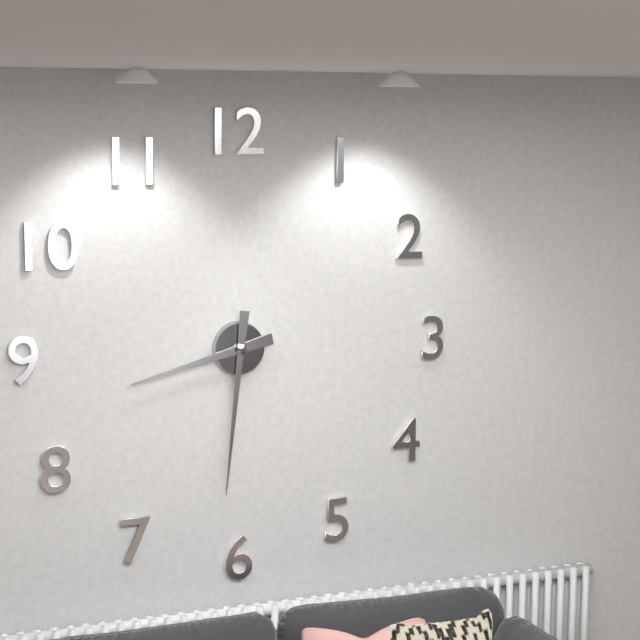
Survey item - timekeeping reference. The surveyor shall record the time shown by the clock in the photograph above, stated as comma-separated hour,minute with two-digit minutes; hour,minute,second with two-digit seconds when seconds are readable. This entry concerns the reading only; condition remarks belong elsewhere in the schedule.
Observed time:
8,31
